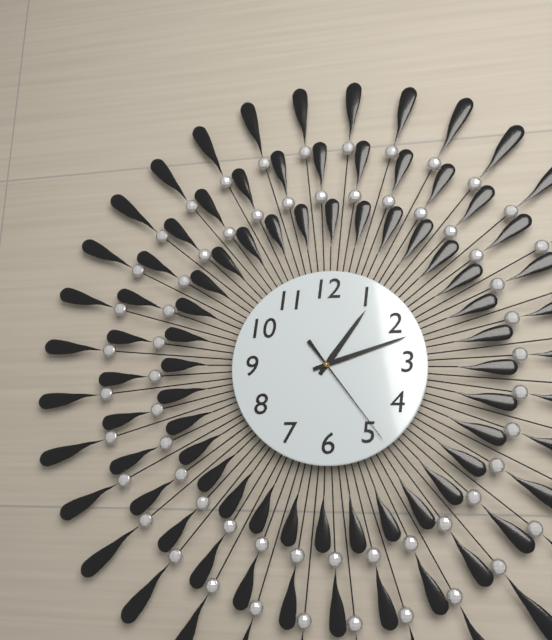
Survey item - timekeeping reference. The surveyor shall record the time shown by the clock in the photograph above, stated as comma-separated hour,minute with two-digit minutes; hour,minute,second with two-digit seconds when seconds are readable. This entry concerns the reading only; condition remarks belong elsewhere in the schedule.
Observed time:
1,12,24
